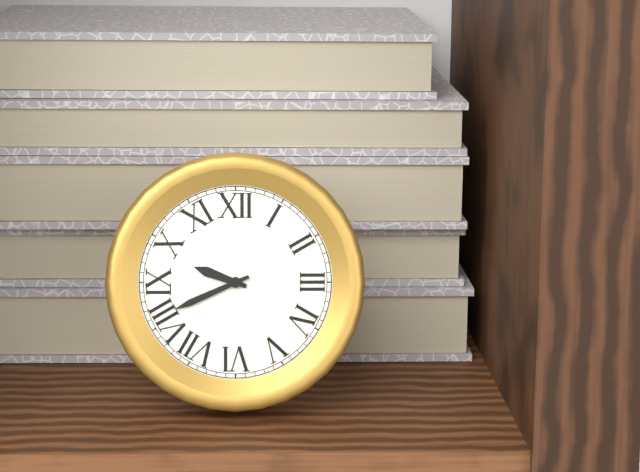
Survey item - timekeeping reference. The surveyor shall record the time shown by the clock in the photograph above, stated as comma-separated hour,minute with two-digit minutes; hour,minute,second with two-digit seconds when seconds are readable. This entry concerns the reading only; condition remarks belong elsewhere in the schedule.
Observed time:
9,41
